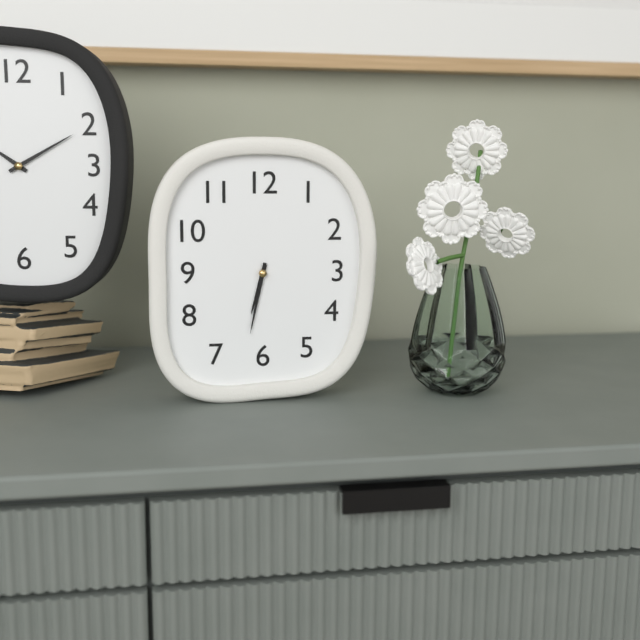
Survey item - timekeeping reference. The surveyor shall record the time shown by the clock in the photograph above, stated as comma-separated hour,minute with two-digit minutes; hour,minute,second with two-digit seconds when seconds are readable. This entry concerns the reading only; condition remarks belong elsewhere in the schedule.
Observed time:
6,32
